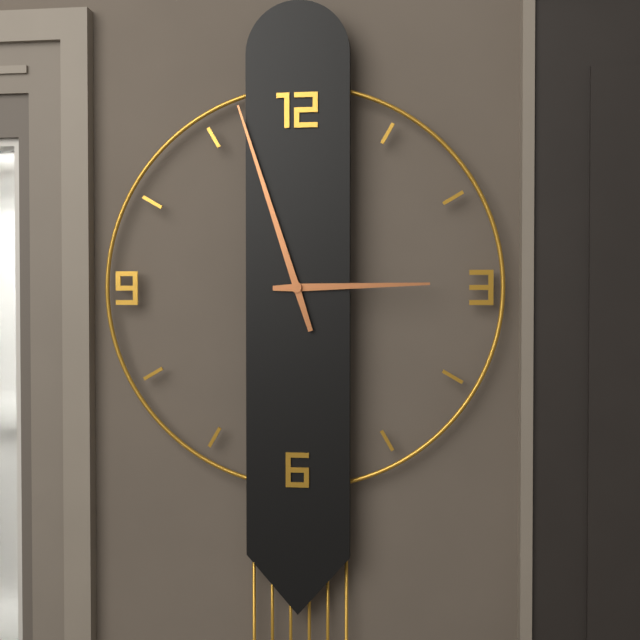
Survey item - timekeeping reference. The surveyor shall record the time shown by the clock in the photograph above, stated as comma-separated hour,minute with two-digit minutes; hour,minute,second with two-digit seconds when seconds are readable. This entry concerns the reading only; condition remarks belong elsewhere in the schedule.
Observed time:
2,57
